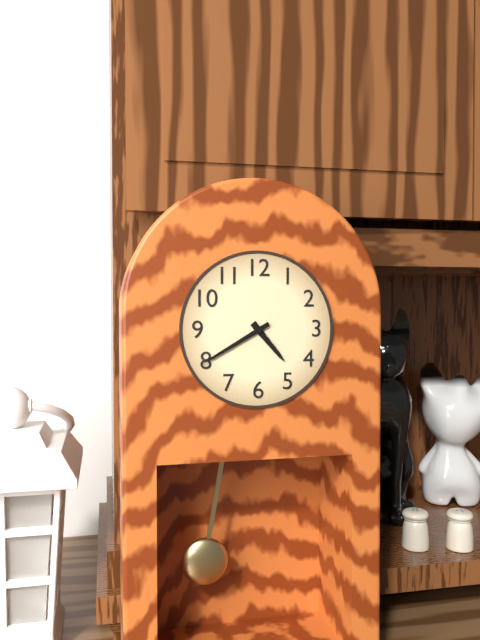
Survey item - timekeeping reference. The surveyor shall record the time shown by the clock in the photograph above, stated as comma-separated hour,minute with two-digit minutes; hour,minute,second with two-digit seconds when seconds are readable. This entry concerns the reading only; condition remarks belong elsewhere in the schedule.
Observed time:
4,40
